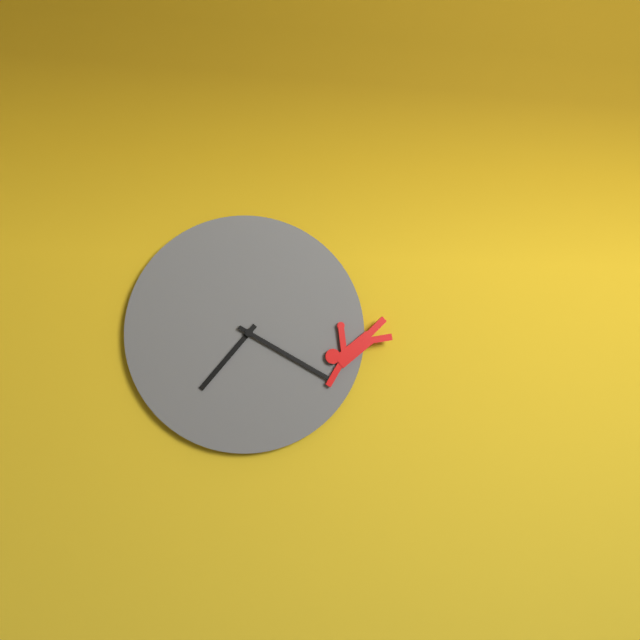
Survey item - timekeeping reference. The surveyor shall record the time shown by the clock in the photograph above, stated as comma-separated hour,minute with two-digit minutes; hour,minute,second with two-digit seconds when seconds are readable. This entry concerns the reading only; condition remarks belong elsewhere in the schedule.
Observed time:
7,20
